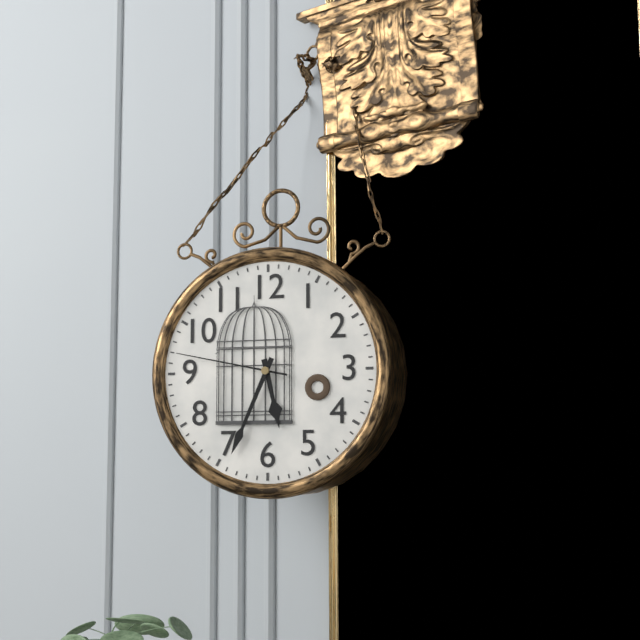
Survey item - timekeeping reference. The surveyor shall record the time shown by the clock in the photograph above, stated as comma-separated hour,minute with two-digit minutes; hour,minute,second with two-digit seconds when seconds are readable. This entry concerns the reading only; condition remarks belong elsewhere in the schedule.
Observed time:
5,34,47
